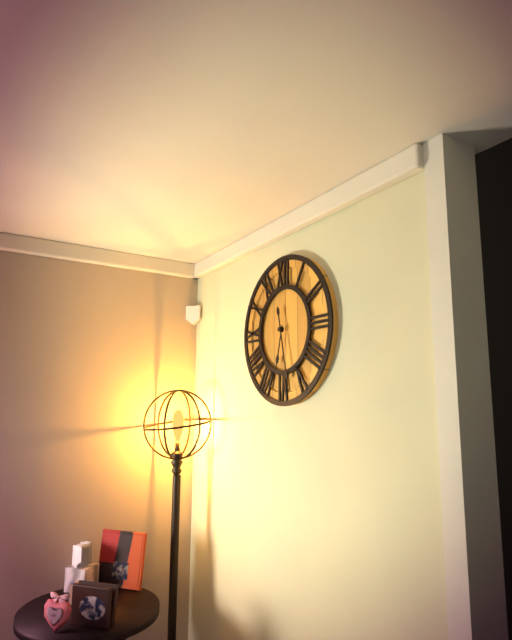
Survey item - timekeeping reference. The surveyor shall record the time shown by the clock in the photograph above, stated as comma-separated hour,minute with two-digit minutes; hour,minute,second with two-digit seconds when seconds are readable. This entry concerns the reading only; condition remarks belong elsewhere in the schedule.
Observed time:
6,28
